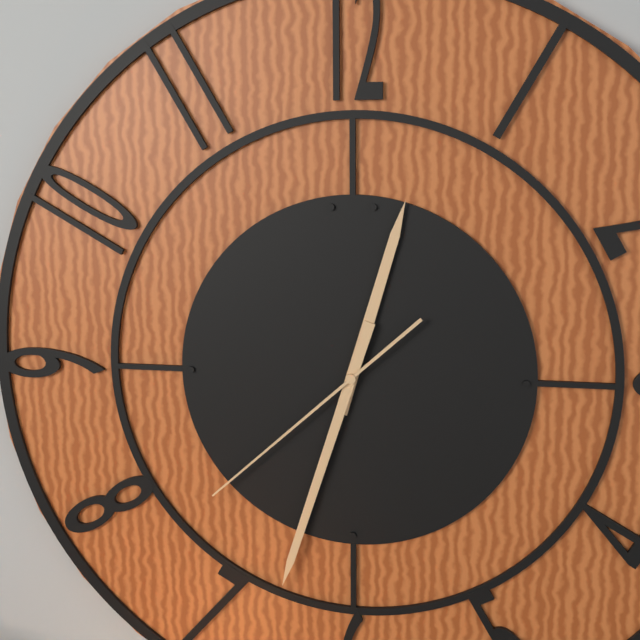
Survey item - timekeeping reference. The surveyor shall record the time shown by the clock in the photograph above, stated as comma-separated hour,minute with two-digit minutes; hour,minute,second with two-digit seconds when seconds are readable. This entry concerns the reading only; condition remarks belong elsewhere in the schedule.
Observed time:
12,33,38
